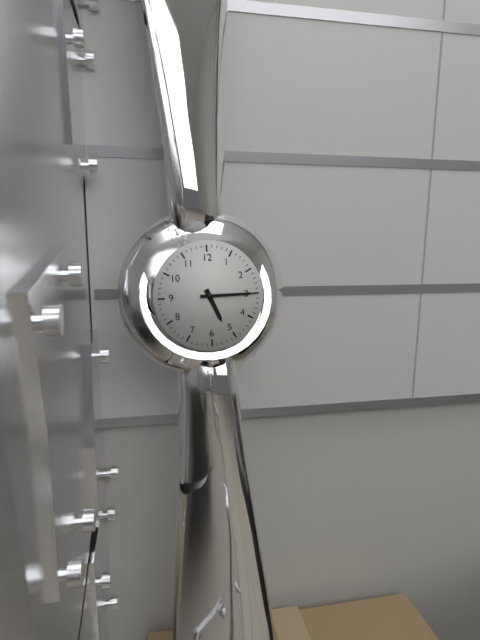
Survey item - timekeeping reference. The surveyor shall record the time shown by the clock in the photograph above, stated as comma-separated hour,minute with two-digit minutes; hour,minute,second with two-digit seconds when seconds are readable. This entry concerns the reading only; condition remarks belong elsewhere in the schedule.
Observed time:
5,15
